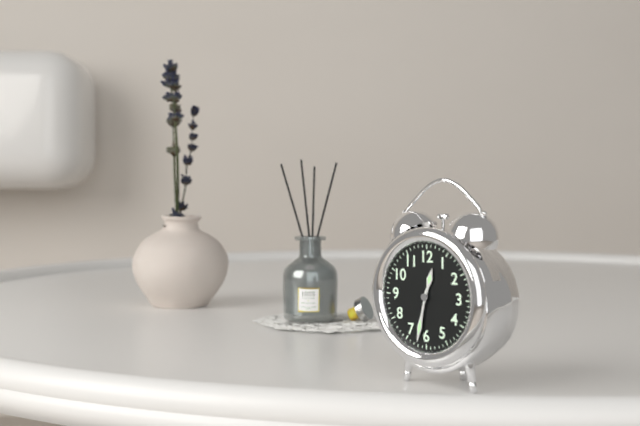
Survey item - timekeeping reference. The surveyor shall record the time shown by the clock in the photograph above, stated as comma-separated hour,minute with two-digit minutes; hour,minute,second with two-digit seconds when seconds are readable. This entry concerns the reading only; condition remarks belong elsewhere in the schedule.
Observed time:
12,32
